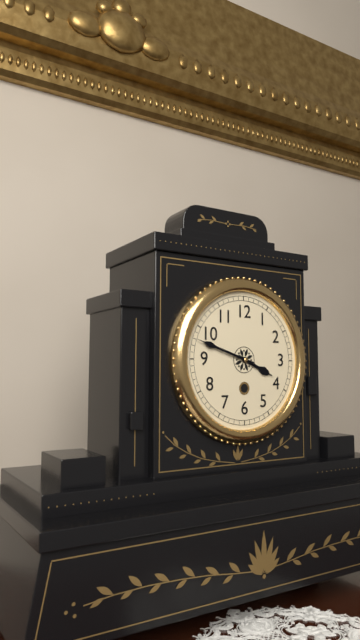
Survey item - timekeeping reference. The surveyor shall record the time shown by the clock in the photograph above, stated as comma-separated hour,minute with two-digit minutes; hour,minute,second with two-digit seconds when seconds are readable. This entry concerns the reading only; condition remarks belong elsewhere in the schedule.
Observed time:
3,48
